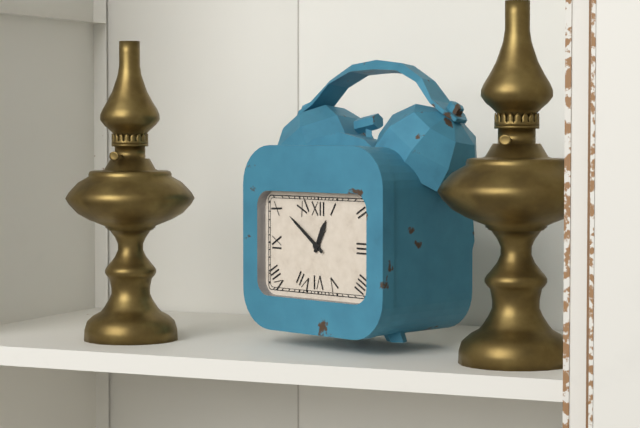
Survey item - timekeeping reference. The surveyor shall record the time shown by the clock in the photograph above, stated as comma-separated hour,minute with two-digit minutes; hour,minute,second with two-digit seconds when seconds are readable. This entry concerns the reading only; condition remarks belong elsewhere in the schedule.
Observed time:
12,51
